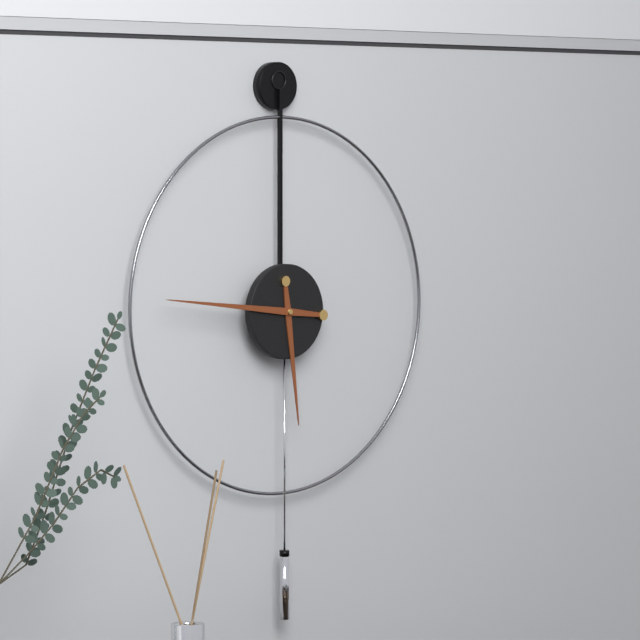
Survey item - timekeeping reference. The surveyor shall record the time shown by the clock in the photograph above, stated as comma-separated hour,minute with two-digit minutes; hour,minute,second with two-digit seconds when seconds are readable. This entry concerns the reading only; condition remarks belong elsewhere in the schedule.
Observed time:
5,46
